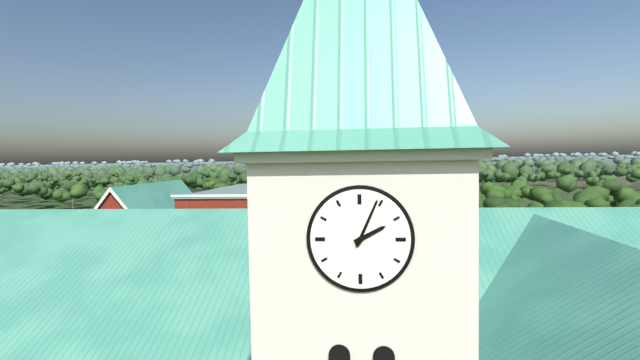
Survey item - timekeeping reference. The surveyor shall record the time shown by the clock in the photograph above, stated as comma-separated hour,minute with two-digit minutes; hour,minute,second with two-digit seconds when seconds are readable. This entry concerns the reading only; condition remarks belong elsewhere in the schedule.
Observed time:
2,04
